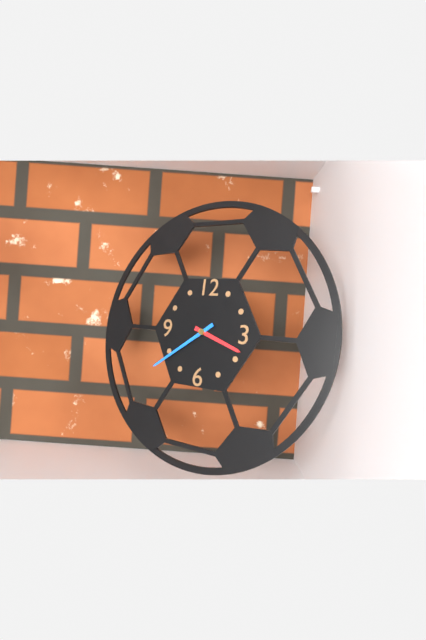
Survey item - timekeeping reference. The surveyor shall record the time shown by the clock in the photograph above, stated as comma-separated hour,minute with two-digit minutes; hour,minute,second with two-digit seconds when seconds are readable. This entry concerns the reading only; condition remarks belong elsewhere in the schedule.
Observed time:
3,39
